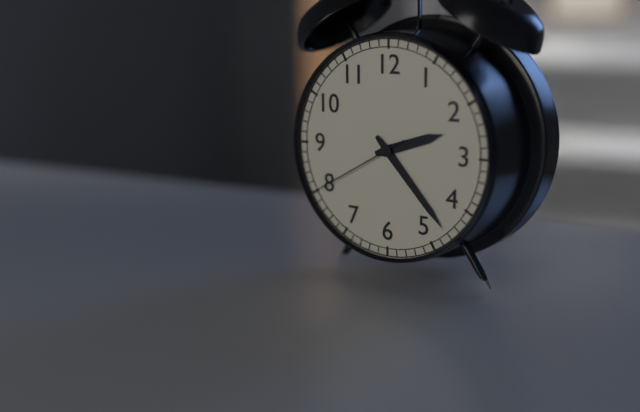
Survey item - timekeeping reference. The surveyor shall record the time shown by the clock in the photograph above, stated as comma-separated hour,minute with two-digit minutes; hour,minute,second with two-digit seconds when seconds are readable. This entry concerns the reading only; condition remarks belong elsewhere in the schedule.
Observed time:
2,23,40
